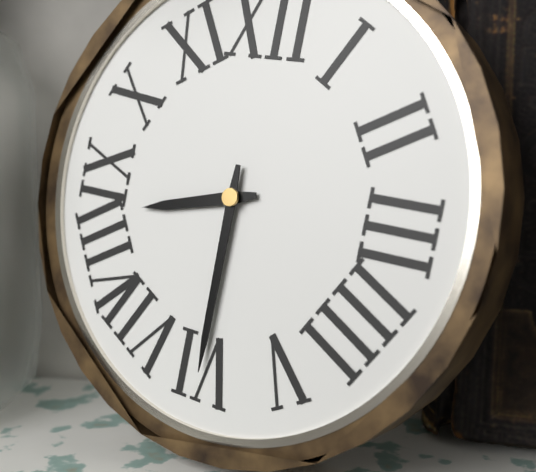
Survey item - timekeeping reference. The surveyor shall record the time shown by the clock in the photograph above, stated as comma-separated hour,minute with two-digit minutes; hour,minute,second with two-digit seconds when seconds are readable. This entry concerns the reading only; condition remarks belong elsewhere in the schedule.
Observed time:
8,30
